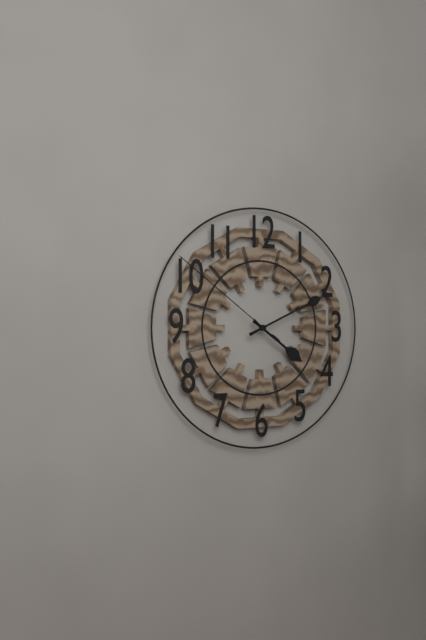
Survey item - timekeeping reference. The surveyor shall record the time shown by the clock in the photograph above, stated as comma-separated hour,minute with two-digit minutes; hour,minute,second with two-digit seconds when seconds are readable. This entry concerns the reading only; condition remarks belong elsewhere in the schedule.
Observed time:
4,11,51
